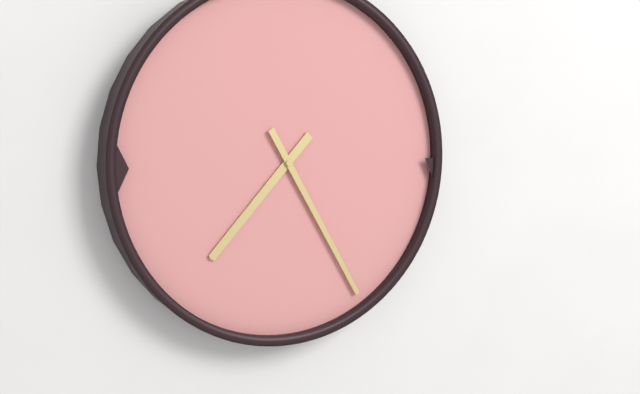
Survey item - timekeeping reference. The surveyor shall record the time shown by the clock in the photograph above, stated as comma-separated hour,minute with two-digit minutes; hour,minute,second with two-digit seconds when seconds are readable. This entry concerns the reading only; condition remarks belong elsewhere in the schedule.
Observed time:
7,25
